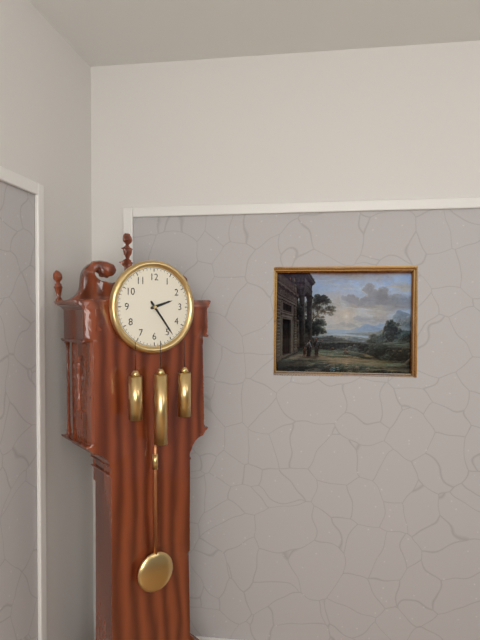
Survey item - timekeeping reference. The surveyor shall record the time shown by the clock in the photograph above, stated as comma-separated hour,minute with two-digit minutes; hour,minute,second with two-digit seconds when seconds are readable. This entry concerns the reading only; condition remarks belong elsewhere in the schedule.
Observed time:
2,24
